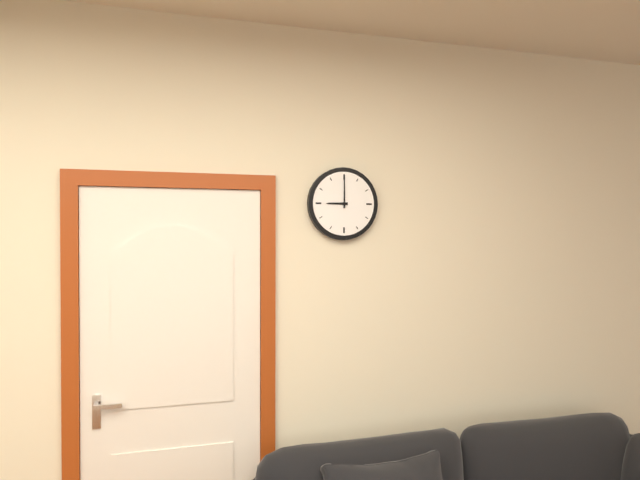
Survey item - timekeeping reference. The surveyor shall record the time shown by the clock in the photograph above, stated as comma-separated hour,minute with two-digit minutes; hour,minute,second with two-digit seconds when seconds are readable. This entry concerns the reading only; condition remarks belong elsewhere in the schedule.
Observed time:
9,00
